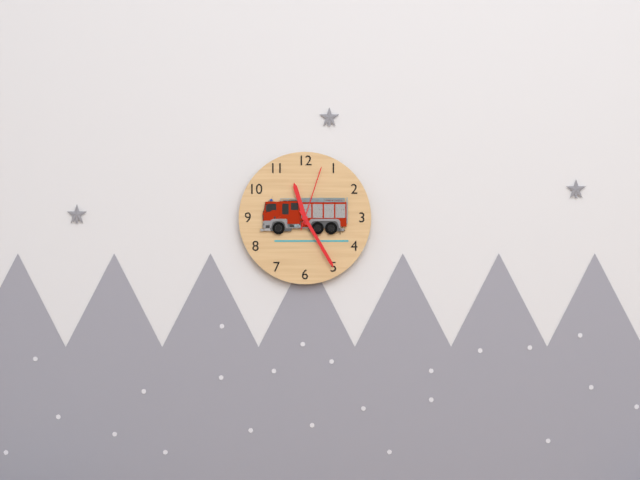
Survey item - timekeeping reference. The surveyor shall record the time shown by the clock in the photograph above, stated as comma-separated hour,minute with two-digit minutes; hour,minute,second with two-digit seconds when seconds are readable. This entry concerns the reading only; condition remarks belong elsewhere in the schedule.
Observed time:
11,25,03
